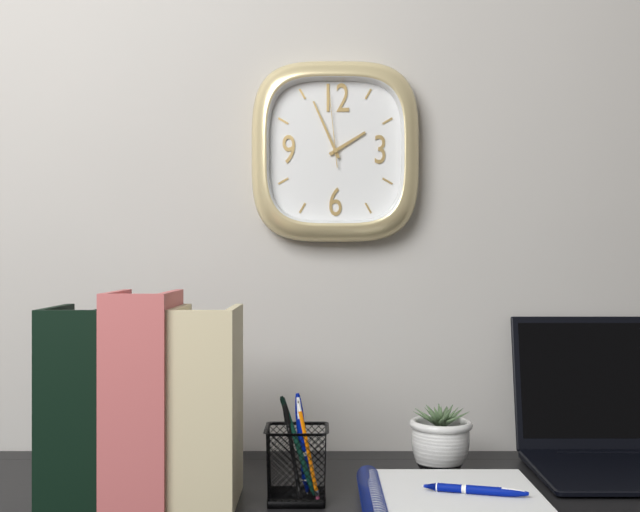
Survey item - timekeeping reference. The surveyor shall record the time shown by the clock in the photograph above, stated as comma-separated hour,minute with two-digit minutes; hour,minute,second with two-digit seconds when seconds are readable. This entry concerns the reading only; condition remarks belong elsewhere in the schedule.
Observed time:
1,56,59
